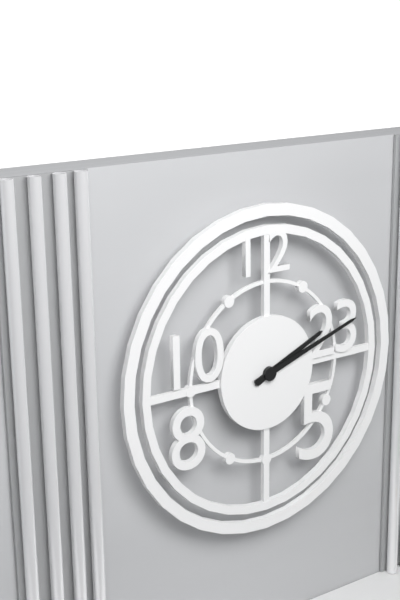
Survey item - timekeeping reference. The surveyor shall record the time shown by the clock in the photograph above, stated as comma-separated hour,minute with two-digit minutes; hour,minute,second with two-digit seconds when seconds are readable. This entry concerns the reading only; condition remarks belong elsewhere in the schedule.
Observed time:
2,12
